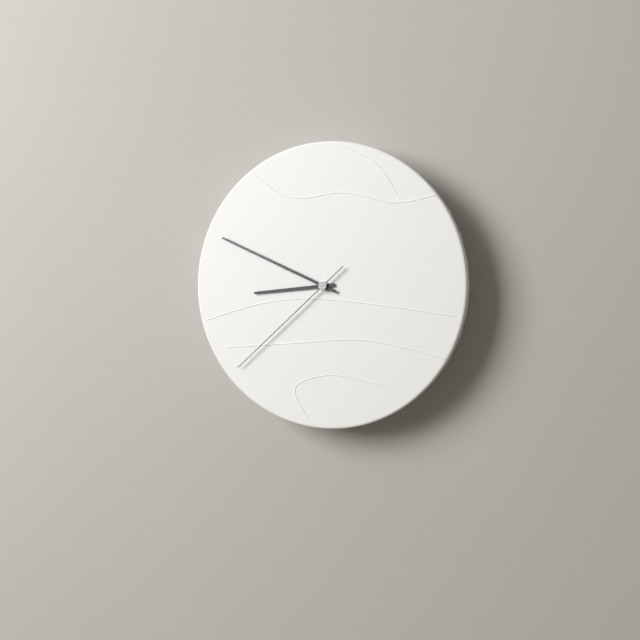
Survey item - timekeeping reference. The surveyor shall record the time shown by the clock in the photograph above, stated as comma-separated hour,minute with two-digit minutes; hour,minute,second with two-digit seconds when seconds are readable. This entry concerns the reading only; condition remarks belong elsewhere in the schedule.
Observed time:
8,49,38
